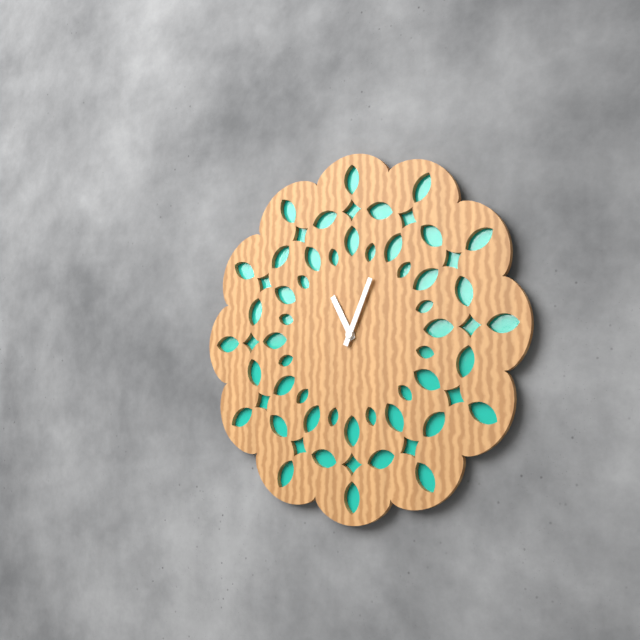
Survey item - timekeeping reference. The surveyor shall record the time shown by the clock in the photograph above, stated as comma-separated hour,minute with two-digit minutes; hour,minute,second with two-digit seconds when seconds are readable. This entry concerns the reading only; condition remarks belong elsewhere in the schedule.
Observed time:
11,04
